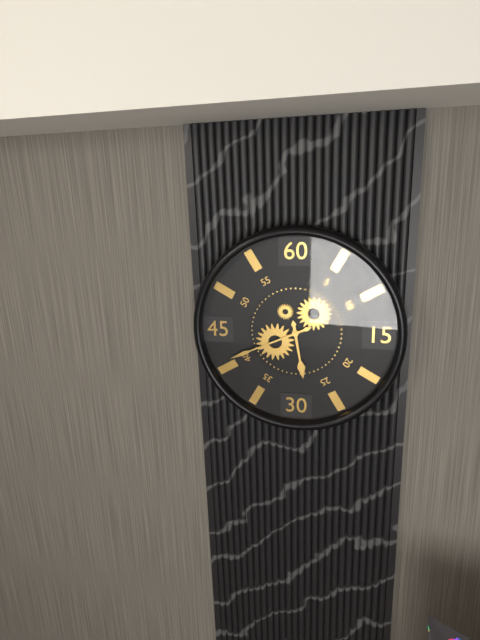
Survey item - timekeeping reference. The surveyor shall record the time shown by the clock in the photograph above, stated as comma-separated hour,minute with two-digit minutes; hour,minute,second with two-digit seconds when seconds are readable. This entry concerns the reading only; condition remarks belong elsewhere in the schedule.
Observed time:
5,41
